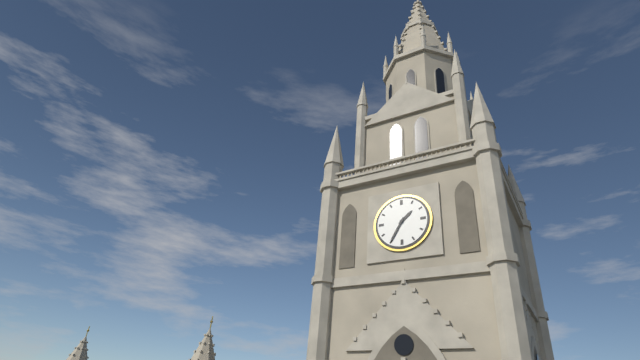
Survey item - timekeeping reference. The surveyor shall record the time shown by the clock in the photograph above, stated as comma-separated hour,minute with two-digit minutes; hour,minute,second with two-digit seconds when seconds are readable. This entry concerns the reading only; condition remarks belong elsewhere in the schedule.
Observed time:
1,35
